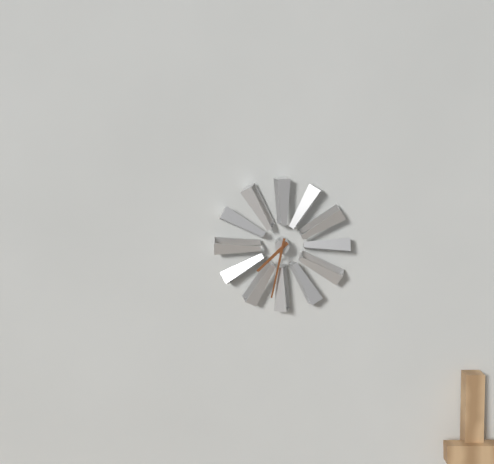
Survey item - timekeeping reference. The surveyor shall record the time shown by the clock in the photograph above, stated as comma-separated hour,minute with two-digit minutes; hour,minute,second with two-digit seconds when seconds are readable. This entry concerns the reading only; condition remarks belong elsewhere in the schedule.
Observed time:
7,32
